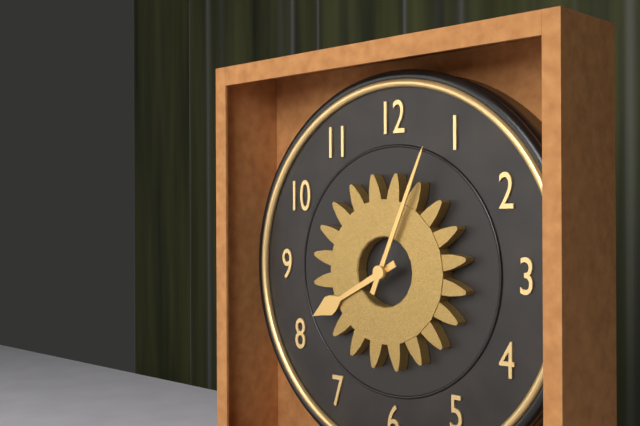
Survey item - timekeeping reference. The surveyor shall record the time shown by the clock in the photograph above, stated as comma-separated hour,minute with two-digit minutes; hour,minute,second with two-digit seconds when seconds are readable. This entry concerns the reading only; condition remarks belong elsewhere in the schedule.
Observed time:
8,04
